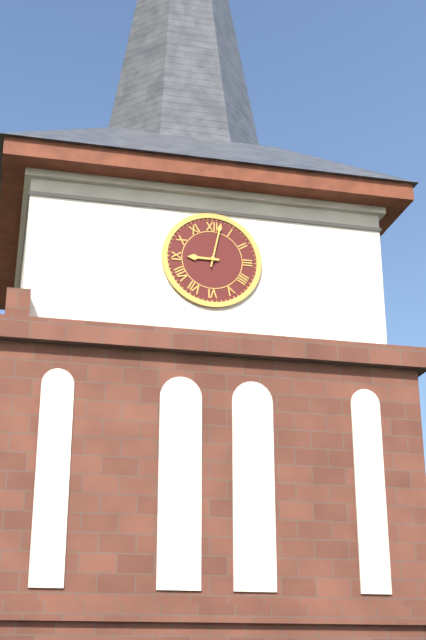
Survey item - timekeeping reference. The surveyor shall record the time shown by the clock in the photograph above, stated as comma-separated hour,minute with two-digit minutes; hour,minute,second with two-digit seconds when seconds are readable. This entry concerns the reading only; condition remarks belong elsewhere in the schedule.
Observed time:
9,02
